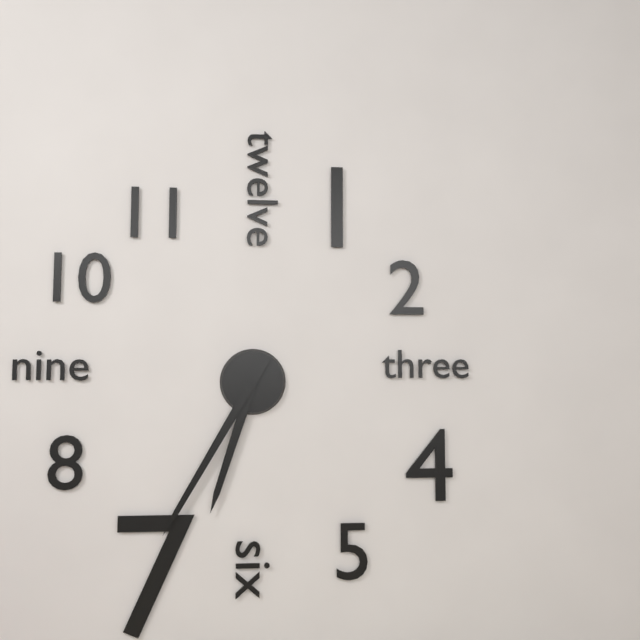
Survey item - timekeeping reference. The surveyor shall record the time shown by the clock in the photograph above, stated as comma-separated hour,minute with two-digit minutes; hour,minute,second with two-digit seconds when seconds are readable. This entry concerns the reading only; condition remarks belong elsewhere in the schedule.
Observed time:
6,35
